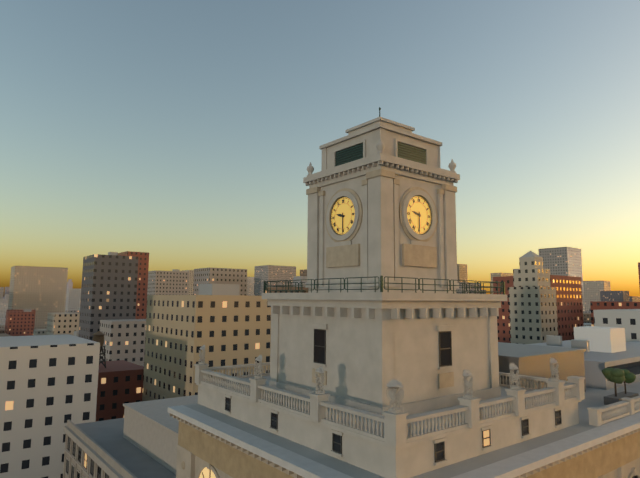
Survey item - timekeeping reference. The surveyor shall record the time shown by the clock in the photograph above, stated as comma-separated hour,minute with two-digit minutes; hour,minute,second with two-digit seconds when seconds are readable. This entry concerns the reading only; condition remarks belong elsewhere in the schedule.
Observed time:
9,30
